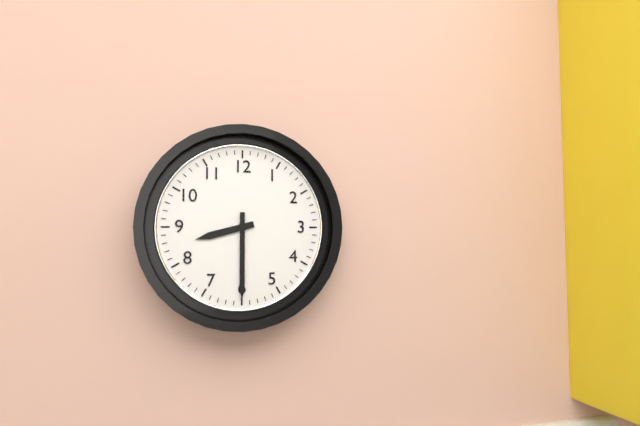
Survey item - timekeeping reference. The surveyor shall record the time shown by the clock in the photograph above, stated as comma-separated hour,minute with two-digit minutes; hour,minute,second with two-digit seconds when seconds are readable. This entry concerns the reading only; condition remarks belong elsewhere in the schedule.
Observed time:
8,30
